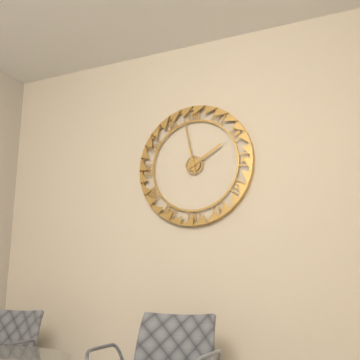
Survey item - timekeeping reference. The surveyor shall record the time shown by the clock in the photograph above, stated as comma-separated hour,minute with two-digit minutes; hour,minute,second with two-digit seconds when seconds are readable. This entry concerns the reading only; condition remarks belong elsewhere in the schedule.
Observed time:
1,58
